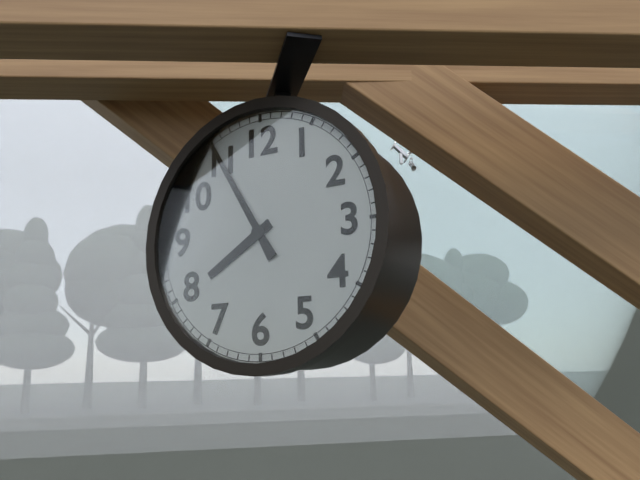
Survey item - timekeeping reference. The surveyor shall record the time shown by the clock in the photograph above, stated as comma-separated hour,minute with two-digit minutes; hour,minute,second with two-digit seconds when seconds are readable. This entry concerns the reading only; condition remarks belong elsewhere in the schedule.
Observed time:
7,55
